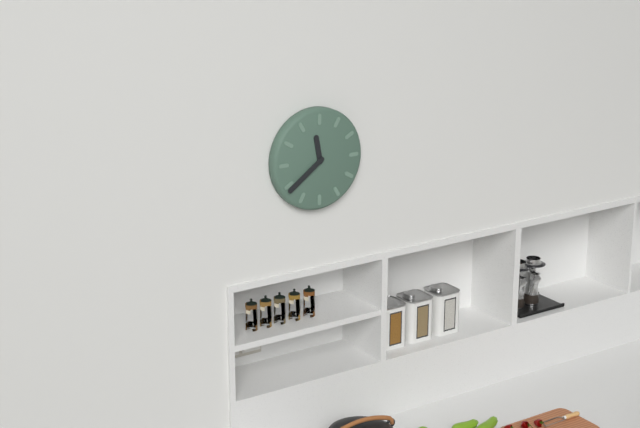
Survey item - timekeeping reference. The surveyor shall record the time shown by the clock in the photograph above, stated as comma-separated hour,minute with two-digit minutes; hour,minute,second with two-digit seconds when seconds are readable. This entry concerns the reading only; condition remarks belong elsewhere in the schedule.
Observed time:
11,39
